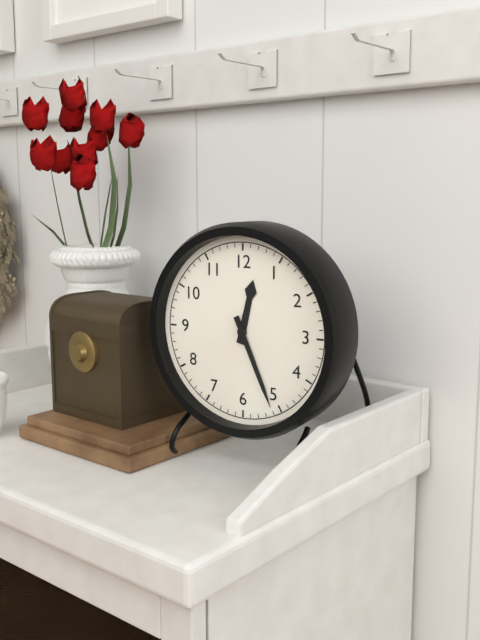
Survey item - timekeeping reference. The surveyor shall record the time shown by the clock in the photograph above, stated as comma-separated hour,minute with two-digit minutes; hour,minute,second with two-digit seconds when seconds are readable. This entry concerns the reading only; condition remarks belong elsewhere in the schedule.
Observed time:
12,26
